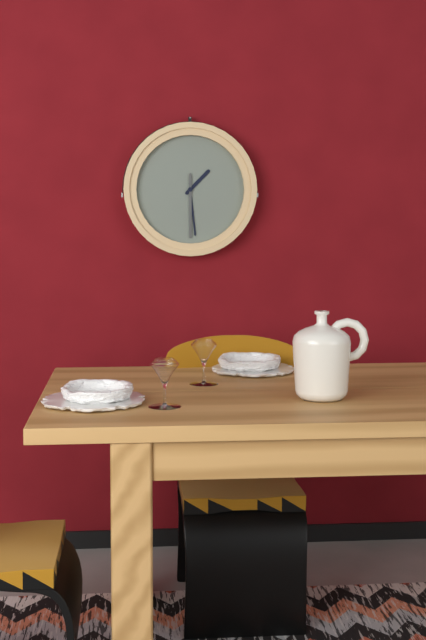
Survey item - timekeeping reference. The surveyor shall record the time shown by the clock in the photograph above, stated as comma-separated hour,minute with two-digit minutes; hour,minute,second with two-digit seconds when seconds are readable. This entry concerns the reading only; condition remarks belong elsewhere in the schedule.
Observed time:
1,29,30
